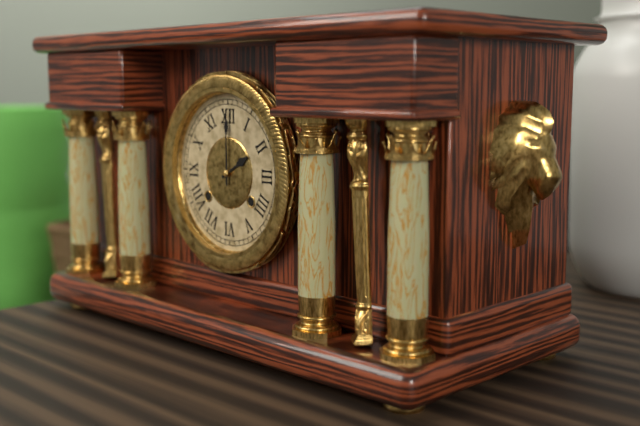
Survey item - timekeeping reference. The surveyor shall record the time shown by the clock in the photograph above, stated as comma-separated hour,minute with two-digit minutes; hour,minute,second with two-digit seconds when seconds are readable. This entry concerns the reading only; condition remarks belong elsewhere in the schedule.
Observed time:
2,00
